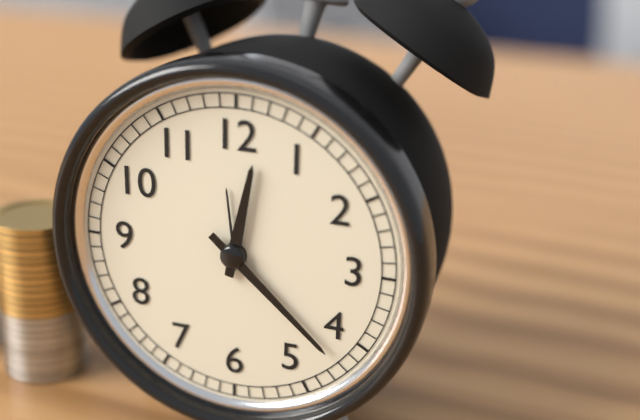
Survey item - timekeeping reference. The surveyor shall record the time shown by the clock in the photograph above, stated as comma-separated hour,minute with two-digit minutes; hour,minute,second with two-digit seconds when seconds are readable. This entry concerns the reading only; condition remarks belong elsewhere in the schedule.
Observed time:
12,22
